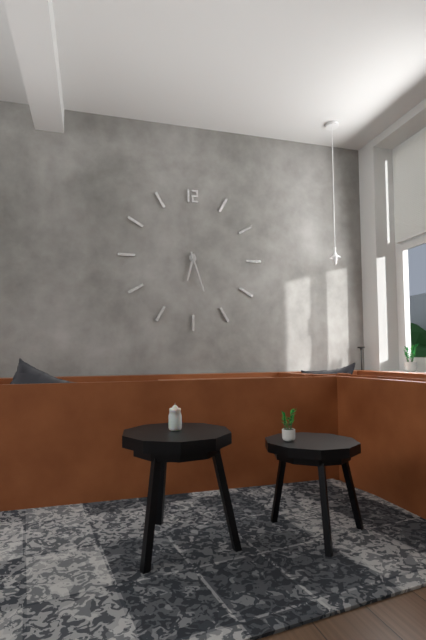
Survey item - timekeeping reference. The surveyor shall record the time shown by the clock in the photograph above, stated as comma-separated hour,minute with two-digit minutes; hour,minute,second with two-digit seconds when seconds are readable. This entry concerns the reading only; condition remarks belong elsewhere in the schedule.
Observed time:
6,27
